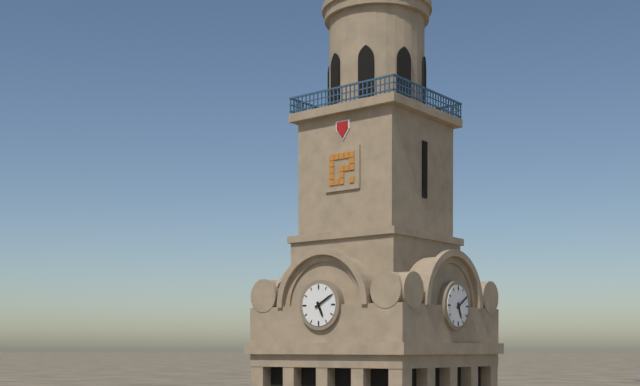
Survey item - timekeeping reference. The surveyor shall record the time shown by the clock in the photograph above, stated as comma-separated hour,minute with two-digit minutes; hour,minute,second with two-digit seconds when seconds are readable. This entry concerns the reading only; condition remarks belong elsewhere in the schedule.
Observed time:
5,10
